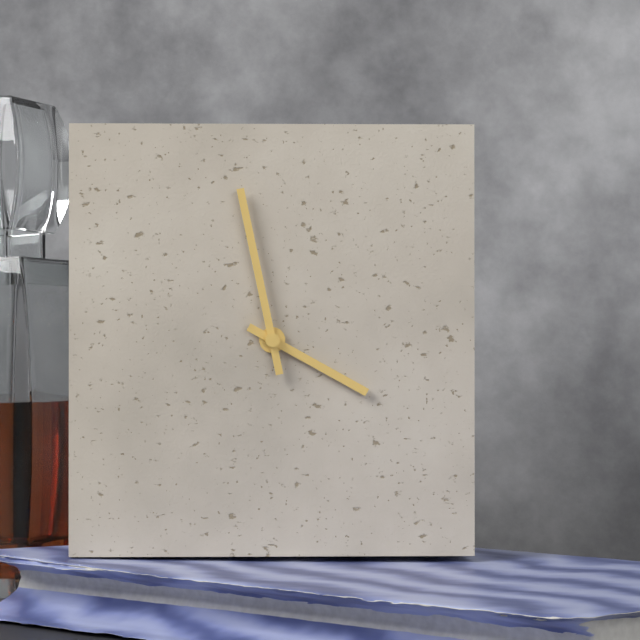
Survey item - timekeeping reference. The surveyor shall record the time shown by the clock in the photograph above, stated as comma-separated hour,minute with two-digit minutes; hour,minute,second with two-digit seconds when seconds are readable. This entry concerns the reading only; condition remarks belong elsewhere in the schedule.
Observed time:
3,58
